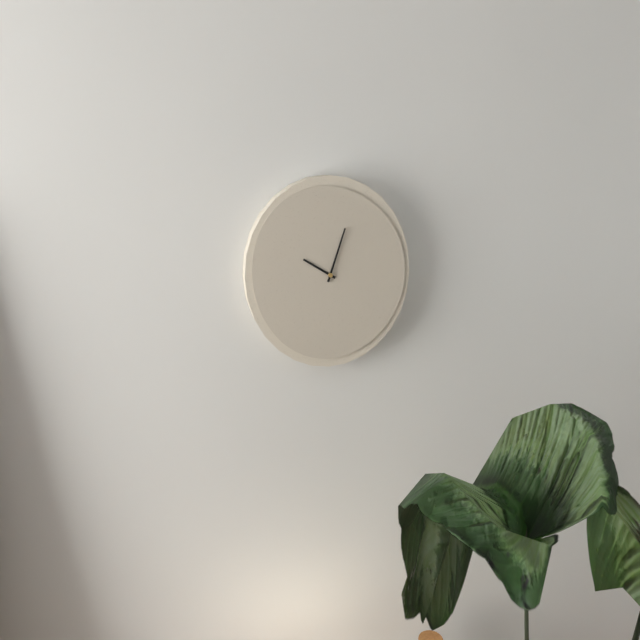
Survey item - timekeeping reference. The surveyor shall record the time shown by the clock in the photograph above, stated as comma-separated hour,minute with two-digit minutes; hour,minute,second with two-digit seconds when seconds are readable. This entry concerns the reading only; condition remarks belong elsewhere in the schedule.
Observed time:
10,03
